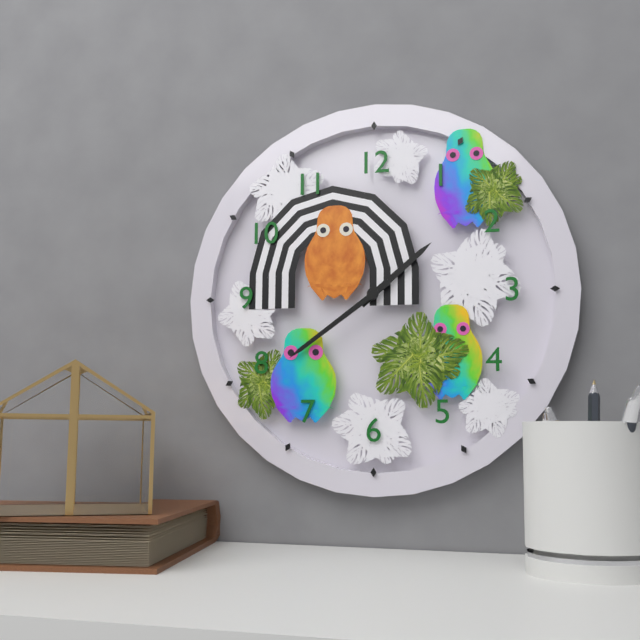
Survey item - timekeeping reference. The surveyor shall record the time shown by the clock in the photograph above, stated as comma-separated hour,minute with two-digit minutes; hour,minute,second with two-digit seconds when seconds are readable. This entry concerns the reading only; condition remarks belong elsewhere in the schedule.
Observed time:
1,39
